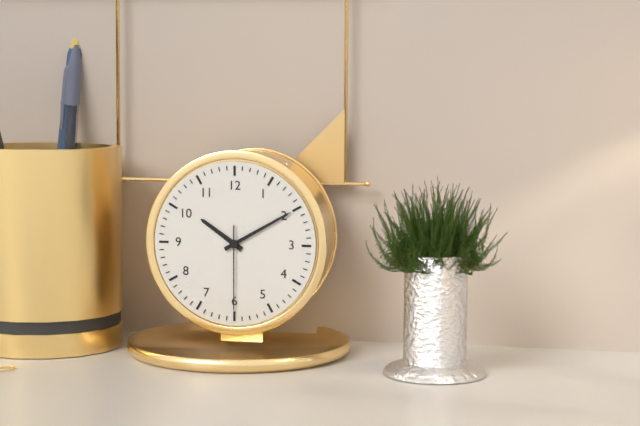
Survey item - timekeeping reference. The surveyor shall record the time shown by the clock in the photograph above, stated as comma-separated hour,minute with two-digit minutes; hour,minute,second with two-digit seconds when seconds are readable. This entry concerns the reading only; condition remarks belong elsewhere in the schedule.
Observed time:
10,10,30
